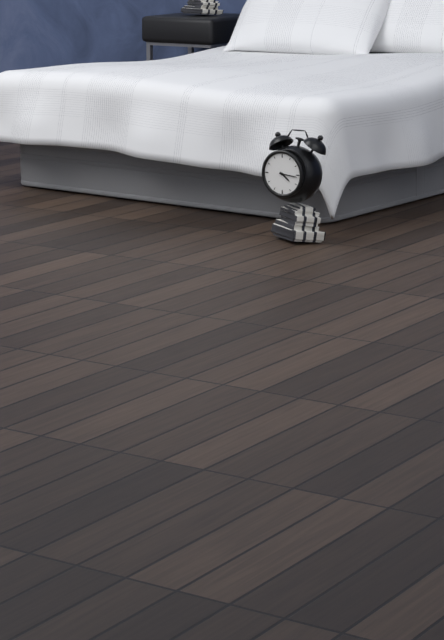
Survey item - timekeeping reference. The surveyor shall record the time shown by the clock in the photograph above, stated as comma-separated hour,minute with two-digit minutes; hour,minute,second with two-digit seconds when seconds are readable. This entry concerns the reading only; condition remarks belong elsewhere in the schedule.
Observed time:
4,16
